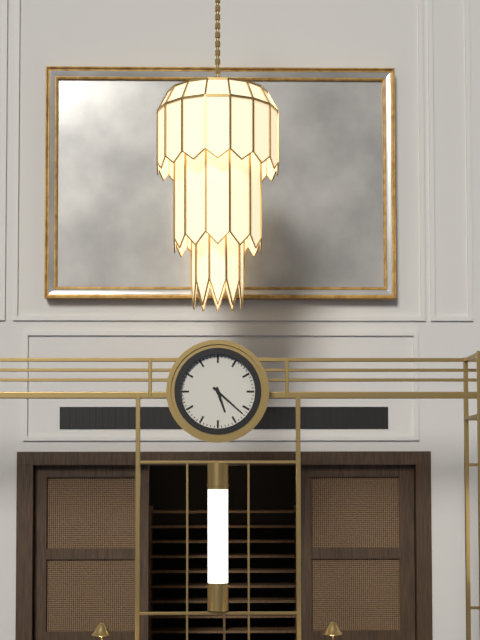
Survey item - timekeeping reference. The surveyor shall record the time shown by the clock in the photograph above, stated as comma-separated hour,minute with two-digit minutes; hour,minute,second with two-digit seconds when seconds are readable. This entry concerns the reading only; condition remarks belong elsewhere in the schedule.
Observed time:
5,22
